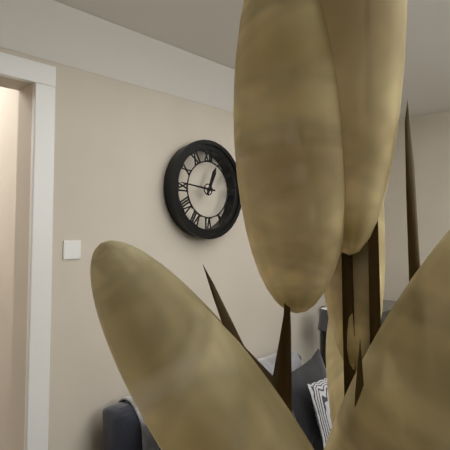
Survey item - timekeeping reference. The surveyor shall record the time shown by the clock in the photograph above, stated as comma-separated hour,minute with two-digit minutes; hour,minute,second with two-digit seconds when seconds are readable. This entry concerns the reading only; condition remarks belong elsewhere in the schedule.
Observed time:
12,46
